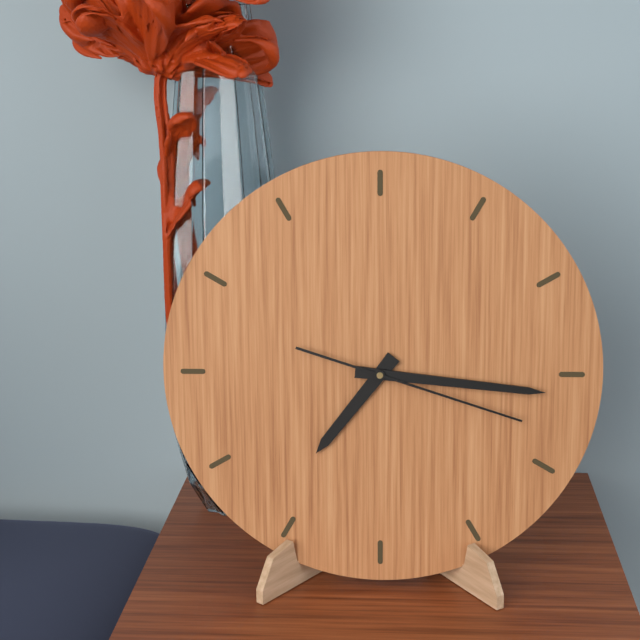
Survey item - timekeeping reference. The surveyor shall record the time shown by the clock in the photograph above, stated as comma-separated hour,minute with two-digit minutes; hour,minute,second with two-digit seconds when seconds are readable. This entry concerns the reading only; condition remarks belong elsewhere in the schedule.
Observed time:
7,16,18
